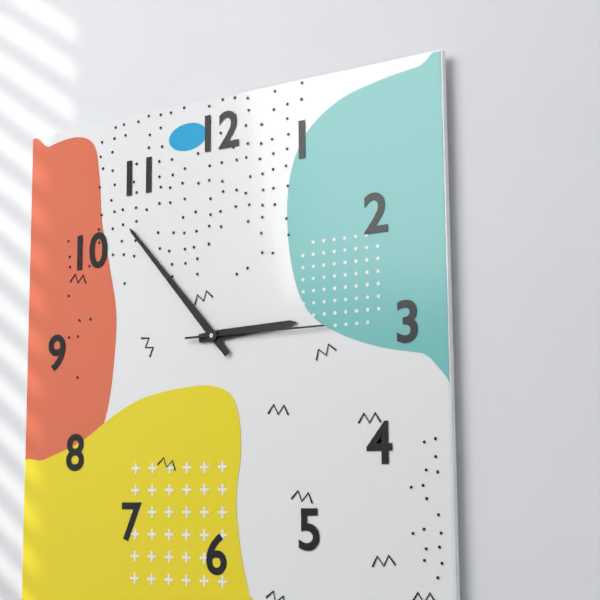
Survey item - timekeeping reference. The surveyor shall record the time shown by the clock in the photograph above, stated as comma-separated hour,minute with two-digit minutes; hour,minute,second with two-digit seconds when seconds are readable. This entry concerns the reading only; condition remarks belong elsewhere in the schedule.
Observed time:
2,53,15
